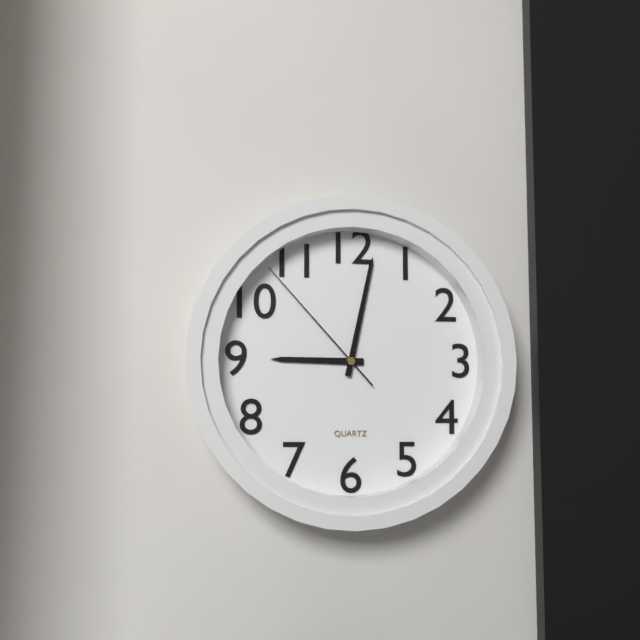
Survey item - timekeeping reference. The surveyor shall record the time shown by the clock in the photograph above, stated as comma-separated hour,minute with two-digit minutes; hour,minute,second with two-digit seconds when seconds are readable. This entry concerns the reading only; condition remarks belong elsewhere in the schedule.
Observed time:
9,02,53
